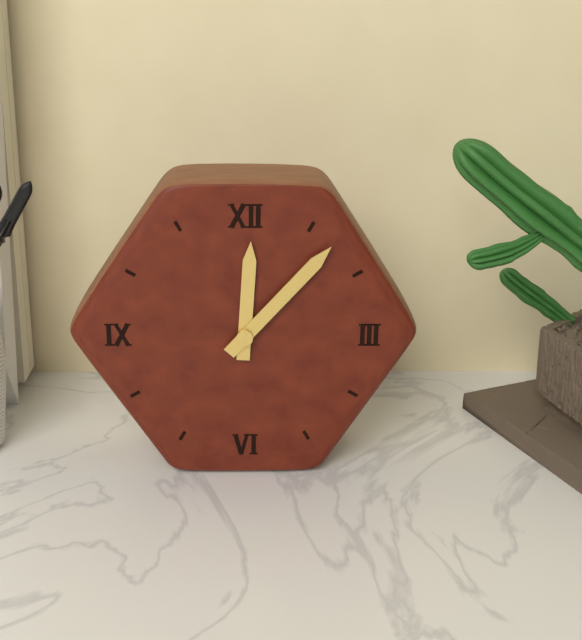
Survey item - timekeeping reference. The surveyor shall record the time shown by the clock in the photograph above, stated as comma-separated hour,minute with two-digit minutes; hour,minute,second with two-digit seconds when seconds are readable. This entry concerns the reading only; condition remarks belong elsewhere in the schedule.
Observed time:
12,07
